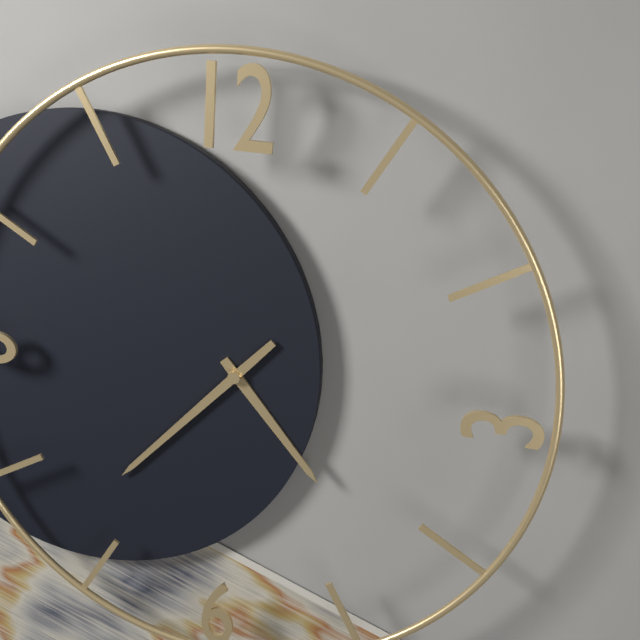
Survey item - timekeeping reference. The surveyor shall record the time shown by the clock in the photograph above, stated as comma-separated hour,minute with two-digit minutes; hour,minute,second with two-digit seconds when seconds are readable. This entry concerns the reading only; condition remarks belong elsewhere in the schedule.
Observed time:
4,37
